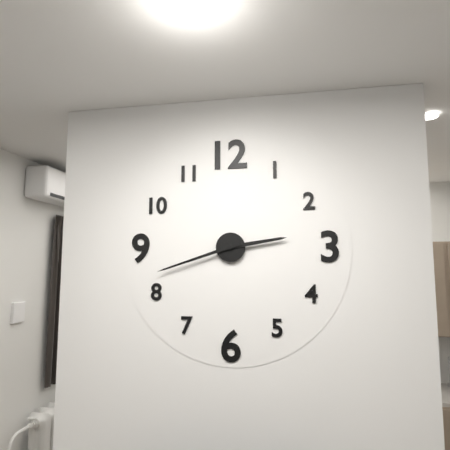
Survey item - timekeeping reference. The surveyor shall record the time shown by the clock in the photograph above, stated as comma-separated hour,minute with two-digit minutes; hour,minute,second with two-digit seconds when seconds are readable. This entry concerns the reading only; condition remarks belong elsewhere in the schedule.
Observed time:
2,42
